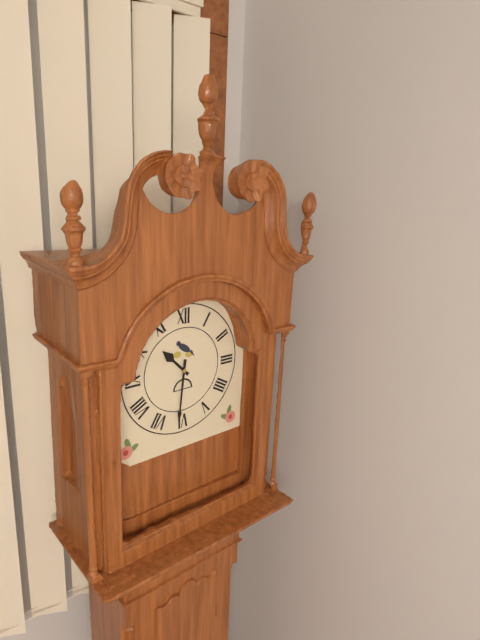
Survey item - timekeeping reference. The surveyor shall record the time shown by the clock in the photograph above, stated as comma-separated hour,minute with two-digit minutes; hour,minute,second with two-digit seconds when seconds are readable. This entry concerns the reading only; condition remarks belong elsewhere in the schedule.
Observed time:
10,31
